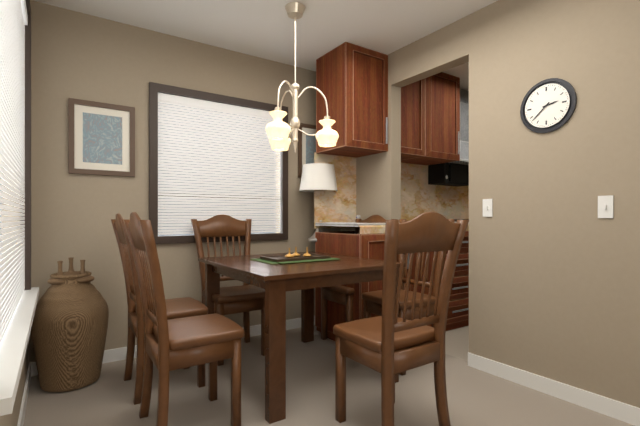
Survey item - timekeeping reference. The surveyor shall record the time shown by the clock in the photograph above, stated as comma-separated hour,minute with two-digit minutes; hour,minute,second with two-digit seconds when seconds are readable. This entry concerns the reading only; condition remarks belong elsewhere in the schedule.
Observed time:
2,38
